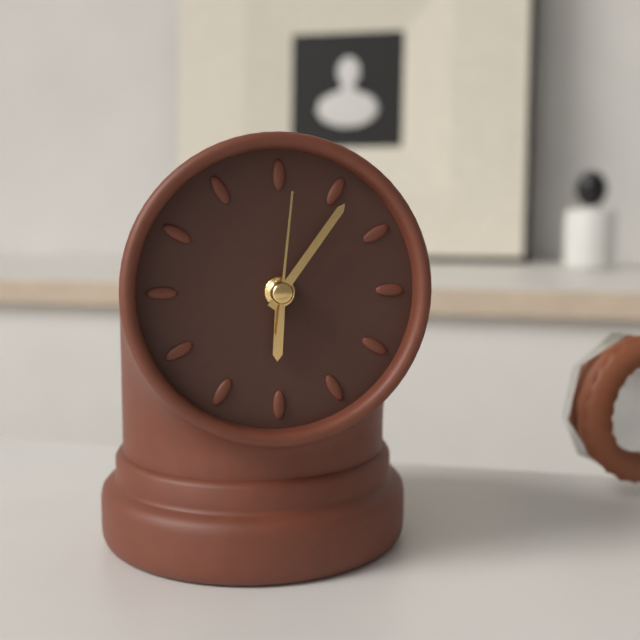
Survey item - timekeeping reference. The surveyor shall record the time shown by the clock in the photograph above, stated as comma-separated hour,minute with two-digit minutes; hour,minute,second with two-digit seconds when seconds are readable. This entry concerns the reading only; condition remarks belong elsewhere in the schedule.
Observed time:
6,06,01
